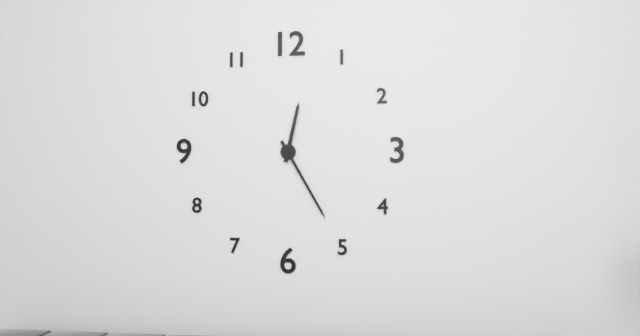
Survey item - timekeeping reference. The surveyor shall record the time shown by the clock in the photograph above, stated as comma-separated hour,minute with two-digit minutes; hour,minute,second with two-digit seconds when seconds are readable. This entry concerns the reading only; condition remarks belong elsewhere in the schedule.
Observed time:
12,25
